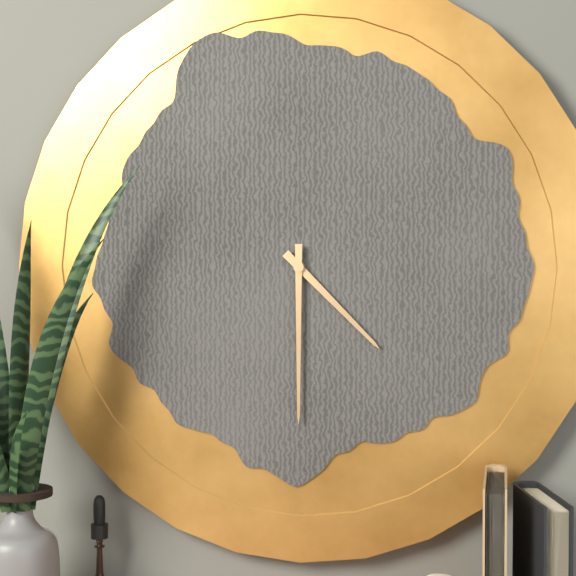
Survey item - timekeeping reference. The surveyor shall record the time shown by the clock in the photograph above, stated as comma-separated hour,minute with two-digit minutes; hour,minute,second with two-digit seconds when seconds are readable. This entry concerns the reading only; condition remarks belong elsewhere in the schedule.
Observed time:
4,30
